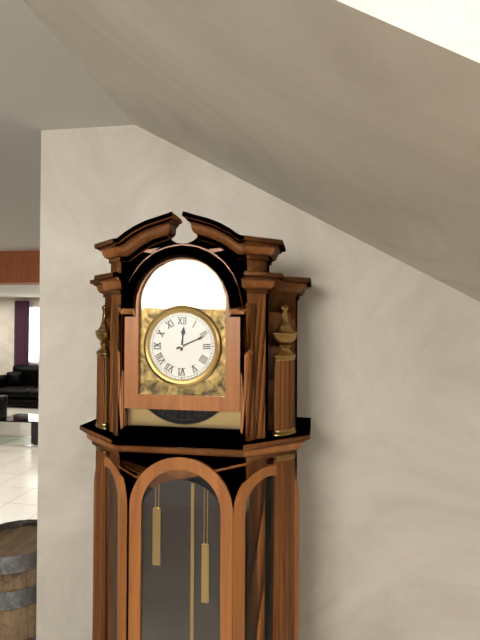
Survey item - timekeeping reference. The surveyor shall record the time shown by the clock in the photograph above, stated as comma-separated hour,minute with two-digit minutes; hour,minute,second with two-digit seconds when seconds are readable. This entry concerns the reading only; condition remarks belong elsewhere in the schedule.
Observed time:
12,11
